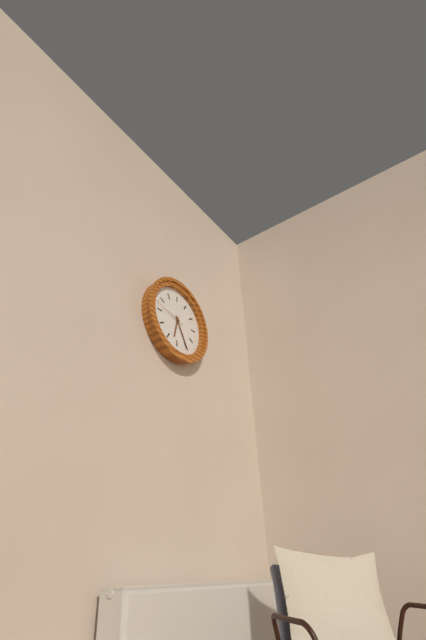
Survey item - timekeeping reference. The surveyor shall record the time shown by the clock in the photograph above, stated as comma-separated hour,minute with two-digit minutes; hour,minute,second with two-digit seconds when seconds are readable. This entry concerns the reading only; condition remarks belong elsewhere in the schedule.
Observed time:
6,25
